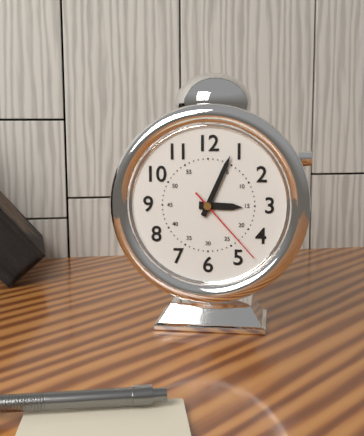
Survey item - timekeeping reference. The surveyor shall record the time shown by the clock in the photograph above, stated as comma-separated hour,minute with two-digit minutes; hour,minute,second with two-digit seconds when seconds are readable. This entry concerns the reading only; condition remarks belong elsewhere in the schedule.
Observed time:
3,04,23
